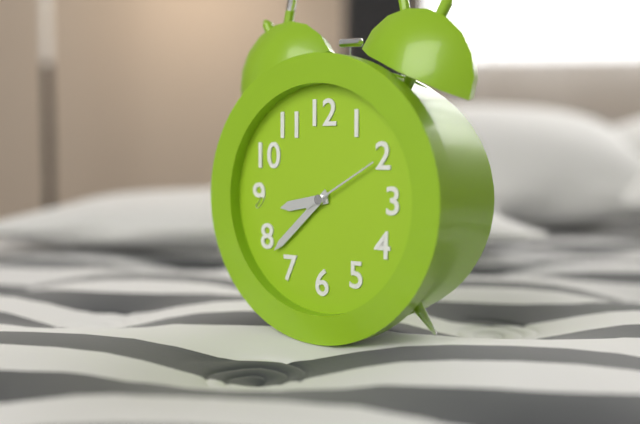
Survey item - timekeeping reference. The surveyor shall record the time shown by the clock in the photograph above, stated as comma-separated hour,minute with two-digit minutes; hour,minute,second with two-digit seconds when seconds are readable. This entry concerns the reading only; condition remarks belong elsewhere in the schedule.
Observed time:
8,38,10
